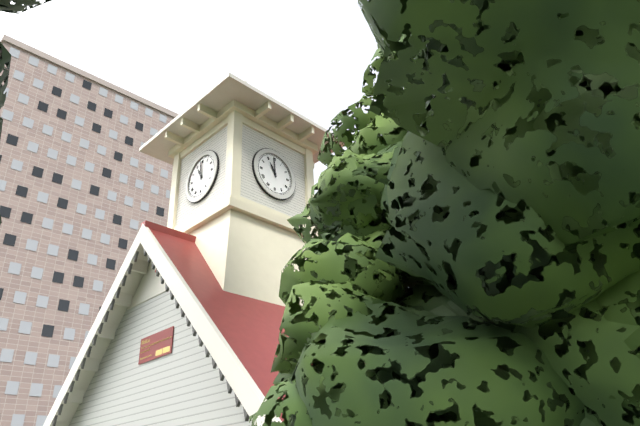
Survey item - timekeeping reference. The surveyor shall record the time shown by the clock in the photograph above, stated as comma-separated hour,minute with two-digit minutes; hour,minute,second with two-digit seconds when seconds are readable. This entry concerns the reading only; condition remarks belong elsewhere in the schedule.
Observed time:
10,59
